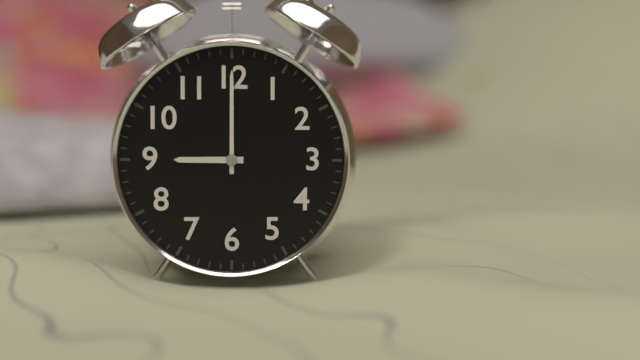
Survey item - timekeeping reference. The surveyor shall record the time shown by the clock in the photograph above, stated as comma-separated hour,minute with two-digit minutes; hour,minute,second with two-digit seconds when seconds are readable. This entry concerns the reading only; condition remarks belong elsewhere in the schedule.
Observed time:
9,00
